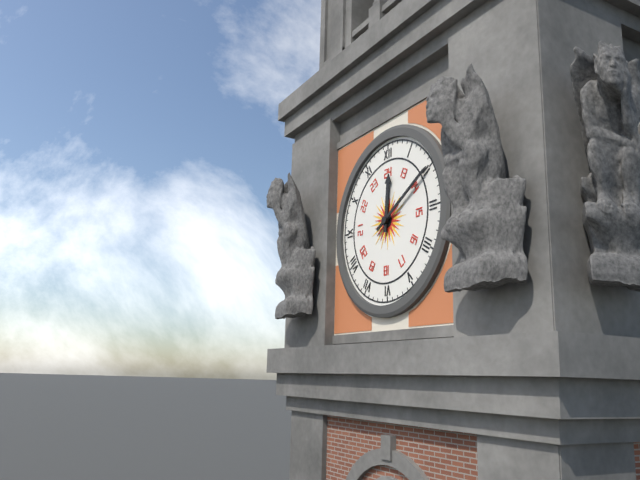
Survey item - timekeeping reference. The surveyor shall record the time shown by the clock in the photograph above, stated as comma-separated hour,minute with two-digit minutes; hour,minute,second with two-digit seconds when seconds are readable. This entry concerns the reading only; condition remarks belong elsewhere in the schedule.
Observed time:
12,10
